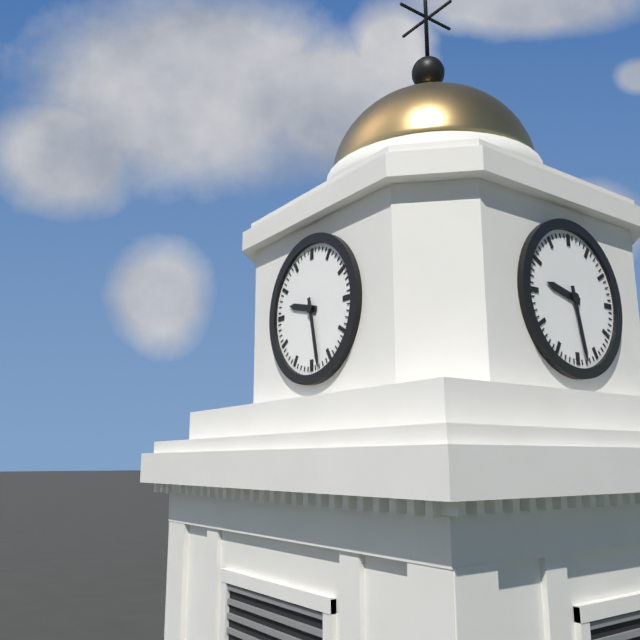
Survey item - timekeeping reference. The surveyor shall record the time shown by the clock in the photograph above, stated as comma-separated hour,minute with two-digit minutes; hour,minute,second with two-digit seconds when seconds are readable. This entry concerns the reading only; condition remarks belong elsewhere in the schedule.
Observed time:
9,28
